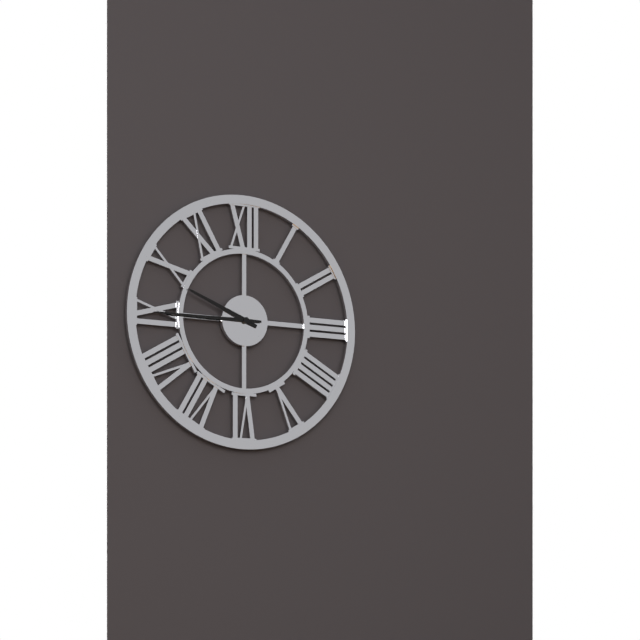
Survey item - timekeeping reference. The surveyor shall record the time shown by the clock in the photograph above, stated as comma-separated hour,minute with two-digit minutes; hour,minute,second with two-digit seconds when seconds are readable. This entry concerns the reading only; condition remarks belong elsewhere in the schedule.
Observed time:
9,45
